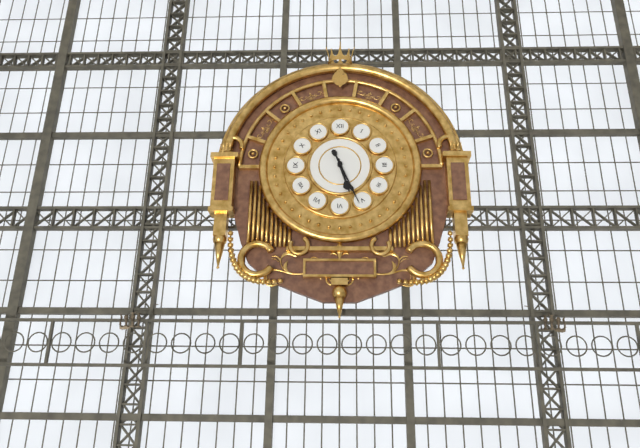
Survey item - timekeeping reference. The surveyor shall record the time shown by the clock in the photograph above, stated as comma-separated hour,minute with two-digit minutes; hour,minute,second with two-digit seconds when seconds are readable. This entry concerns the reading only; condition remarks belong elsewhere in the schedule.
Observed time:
5,26
